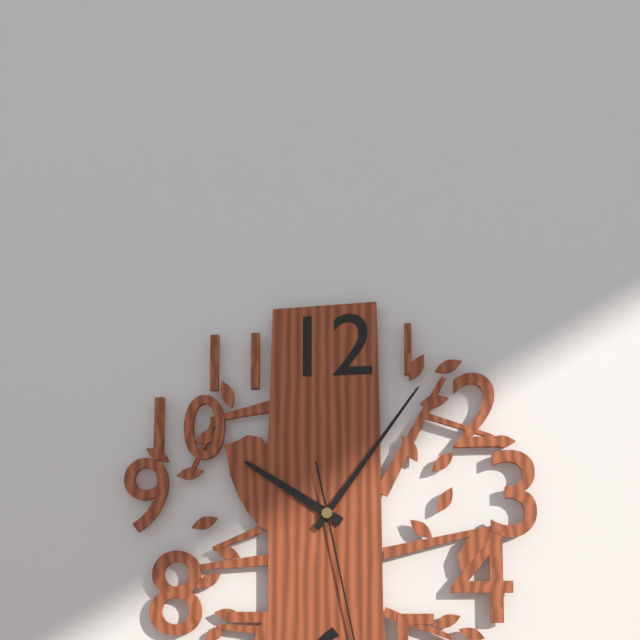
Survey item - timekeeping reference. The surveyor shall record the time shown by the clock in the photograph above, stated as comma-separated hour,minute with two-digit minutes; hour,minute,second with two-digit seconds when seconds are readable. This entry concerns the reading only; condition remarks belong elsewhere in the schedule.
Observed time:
10,06
